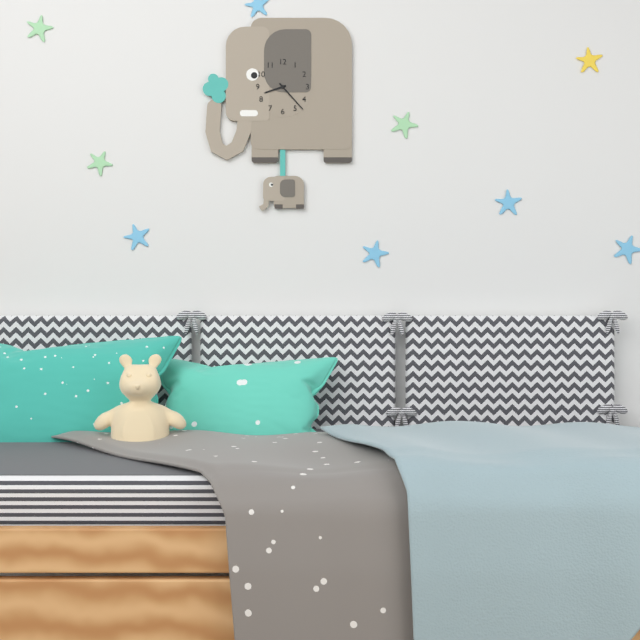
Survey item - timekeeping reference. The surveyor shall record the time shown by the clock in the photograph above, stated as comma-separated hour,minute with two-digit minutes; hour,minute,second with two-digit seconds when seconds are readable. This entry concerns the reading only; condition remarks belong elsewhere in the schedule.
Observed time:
8,23
